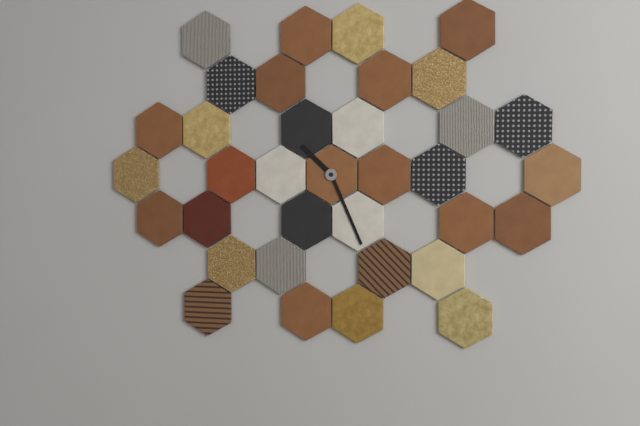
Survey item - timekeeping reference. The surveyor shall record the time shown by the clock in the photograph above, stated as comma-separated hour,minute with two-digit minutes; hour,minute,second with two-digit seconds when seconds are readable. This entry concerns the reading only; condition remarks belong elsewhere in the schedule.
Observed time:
10,26
